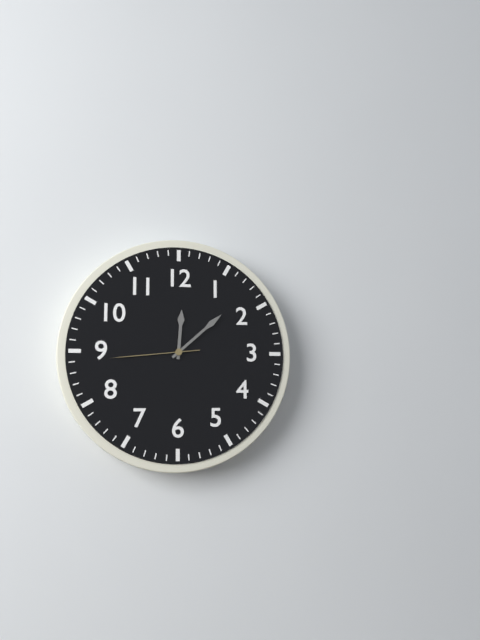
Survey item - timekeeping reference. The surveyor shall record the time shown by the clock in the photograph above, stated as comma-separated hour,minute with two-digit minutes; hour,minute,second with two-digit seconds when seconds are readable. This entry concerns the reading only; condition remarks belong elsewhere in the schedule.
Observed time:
12,08,44
